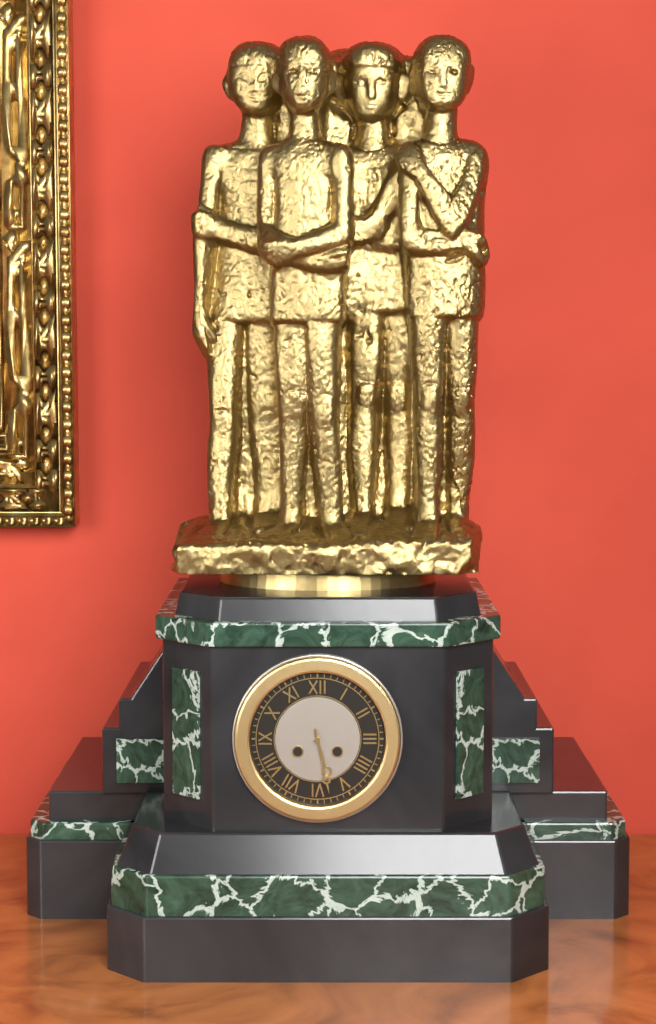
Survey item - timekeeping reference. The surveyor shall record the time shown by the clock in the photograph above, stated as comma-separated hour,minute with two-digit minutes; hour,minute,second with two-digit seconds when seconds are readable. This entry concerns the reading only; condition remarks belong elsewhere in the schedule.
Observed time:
5,28
